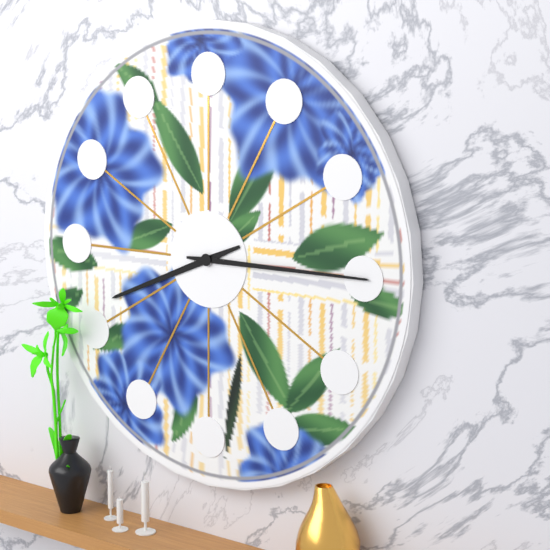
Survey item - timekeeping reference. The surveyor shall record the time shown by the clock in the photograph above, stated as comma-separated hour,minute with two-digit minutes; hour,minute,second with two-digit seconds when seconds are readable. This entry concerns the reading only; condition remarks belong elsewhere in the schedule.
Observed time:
8,15
